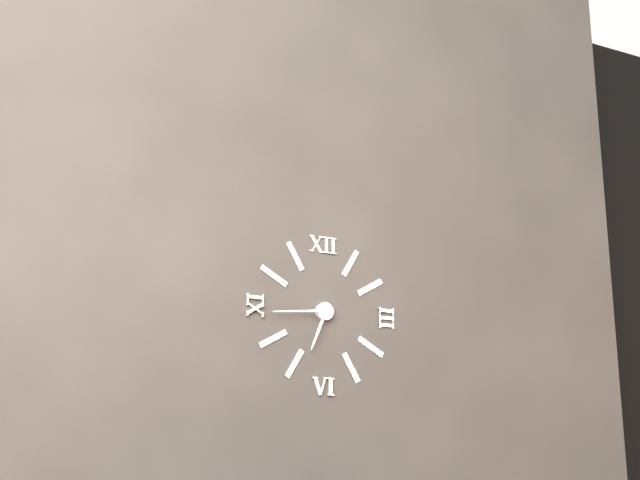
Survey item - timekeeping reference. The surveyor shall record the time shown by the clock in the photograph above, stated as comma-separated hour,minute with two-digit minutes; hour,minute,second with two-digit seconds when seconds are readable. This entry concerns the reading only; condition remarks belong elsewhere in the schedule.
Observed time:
6,44
